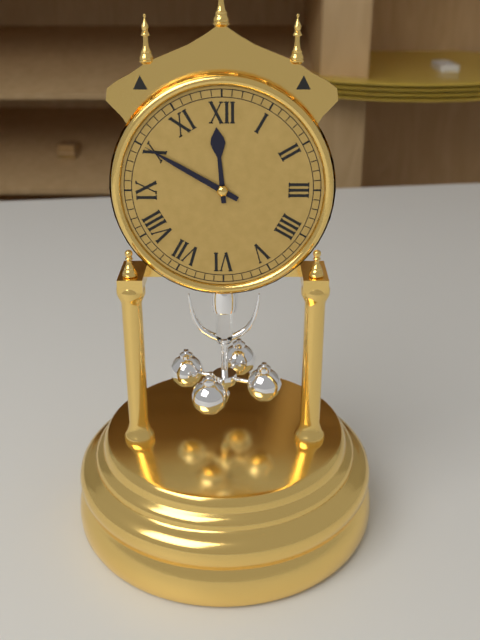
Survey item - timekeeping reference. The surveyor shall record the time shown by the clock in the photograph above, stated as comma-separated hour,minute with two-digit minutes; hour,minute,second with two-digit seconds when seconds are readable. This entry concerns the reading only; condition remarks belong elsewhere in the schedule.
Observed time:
11,50
